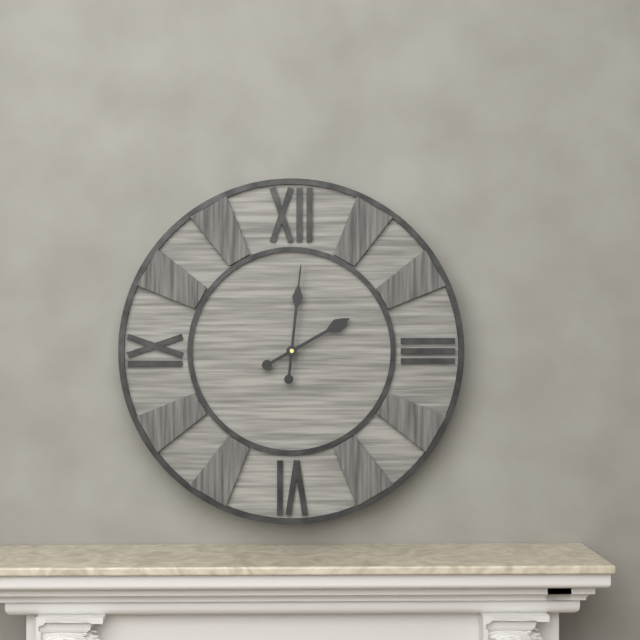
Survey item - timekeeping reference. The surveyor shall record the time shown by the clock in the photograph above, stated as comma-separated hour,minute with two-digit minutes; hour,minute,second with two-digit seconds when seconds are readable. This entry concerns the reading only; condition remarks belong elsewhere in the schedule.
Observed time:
2,01
